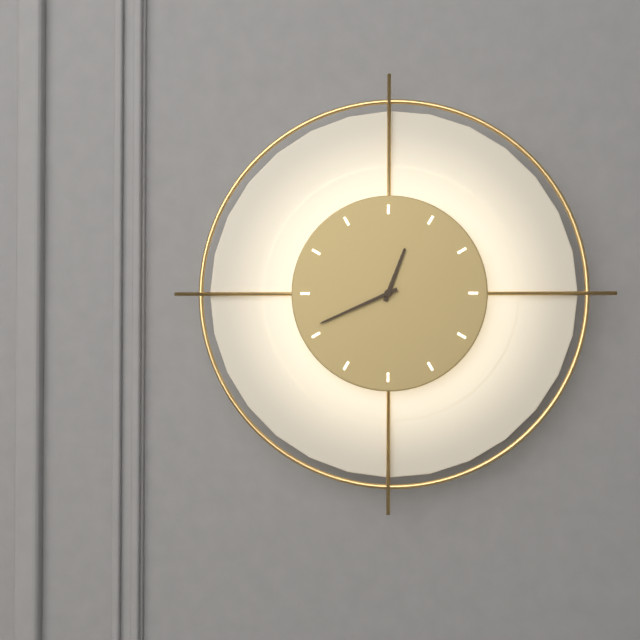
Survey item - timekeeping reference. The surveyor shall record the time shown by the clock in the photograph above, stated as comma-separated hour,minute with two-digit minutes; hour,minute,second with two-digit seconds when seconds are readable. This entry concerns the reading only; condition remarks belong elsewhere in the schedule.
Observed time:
12,41
